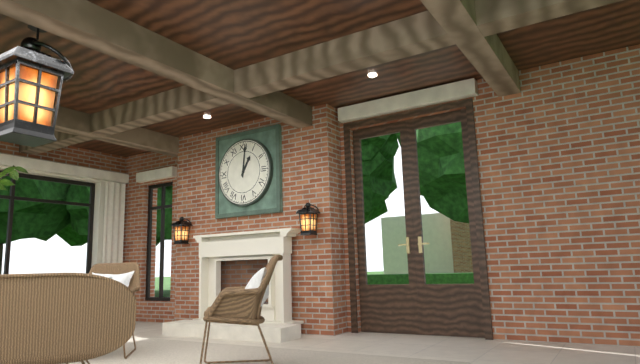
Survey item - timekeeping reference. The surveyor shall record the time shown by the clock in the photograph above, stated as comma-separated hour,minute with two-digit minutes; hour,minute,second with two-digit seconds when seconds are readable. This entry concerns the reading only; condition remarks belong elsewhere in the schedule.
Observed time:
1,01
